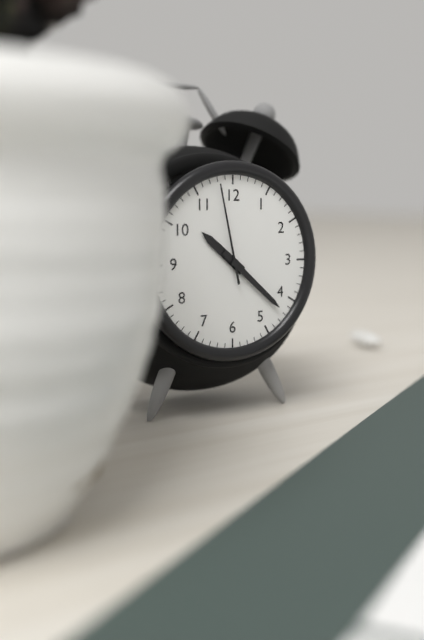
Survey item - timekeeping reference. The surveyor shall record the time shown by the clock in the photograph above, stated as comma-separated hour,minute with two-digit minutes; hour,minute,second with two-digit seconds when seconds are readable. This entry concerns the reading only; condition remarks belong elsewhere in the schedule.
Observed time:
10,22,58
